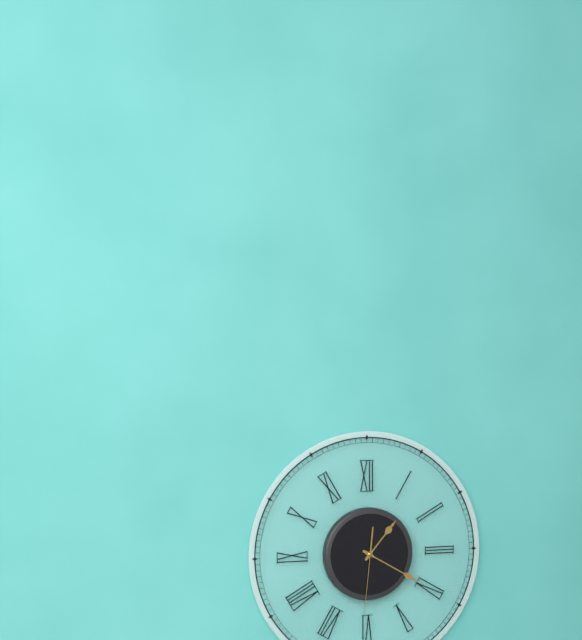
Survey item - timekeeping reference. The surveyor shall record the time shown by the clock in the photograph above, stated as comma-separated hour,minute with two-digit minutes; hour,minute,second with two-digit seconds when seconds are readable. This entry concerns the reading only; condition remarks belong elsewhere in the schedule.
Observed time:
1,20,31
